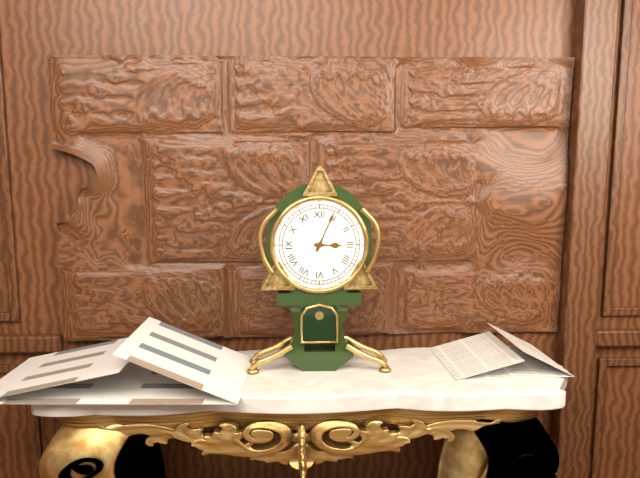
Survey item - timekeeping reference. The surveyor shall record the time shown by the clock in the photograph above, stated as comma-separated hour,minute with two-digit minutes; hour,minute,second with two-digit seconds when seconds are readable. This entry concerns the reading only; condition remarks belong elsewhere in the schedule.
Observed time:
3,04
